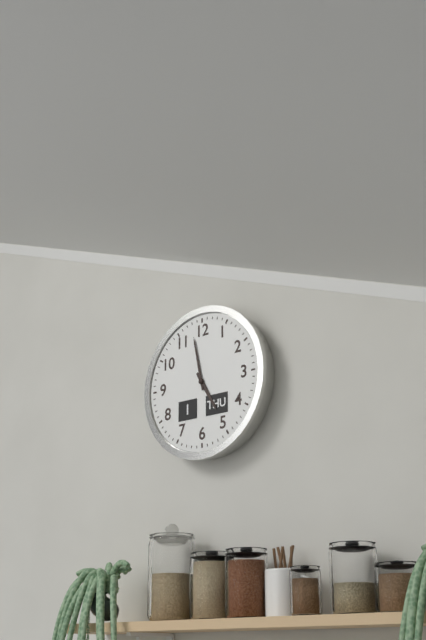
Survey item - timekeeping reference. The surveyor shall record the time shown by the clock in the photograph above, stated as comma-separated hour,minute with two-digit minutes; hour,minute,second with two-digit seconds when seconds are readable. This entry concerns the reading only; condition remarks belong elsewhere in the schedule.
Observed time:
4,58
